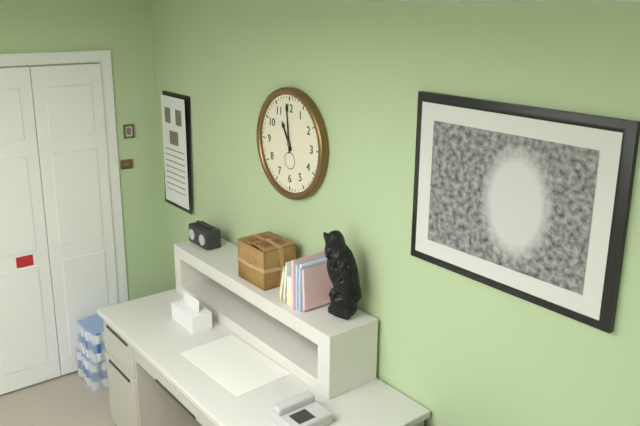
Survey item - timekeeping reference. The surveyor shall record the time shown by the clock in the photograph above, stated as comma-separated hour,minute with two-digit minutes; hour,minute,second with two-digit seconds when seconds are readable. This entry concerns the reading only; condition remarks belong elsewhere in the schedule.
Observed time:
10,59
